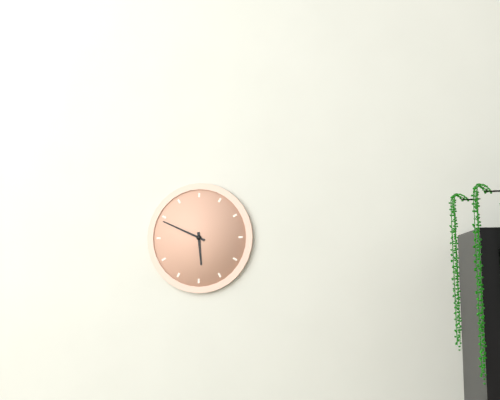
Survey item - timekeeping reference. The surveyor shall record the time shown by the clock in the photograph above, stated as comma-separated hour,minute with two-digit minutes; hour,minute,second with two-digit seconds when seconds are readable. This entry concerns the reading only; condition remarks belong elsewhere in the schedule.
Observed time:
5,49
